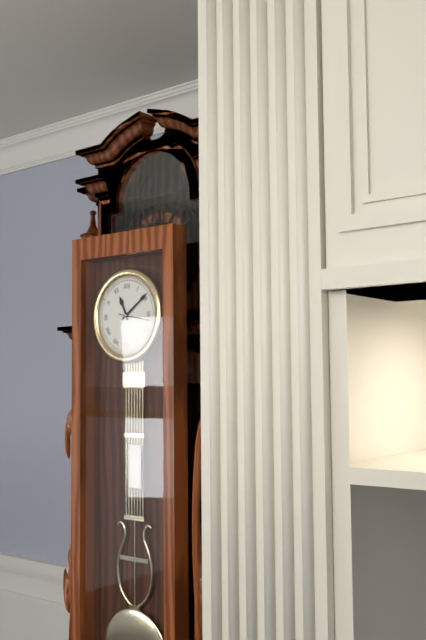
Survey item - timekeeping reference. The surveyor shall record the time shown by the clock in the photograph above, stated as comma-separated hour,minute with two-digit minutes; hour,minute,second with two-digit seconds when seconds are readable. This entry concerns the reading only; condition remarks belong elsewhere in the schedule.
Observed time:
11,09
